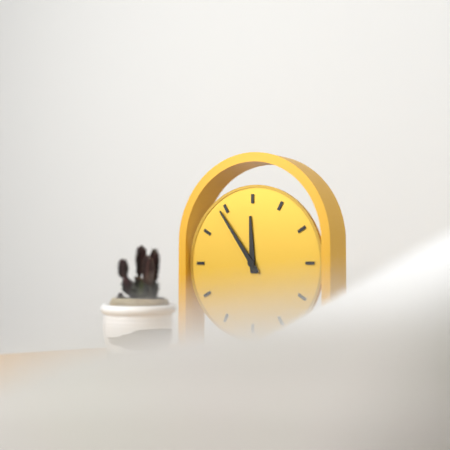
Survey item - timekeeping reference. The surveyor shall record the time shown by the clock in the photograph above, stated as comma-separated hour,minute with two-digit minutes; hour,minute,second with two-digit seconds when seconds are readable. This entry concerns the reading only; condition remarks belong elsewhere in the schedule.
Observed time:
11,54
